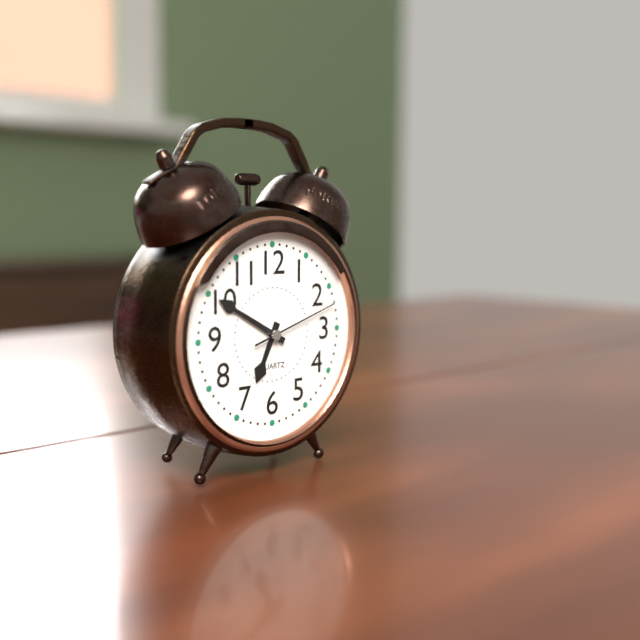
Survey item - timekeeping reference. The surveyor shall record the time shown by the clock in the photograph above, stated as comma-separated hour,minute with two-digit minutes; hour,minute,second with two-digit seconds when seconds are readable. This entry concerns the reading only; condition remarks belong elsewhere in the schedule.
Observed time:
6,50,12
